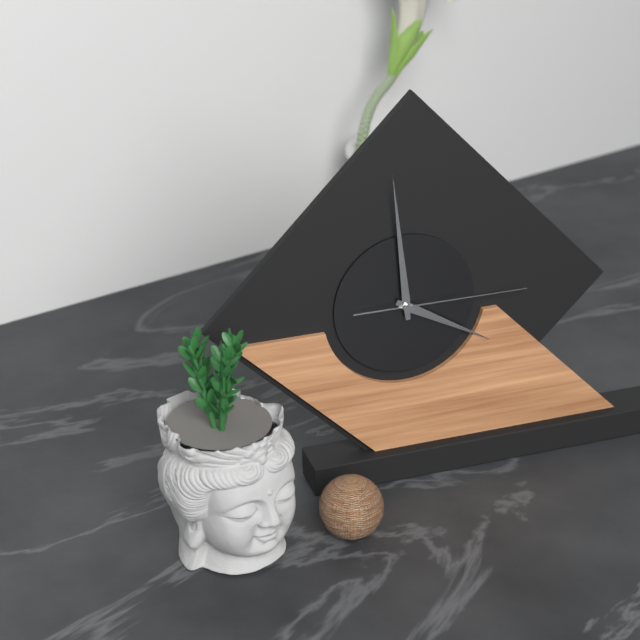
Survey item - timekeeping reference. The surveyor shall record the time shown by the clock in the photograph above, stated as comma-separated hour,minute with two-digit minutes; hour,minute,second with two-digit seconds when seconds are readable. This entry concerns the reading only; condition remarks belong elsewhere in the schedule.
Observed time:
3,59,15
